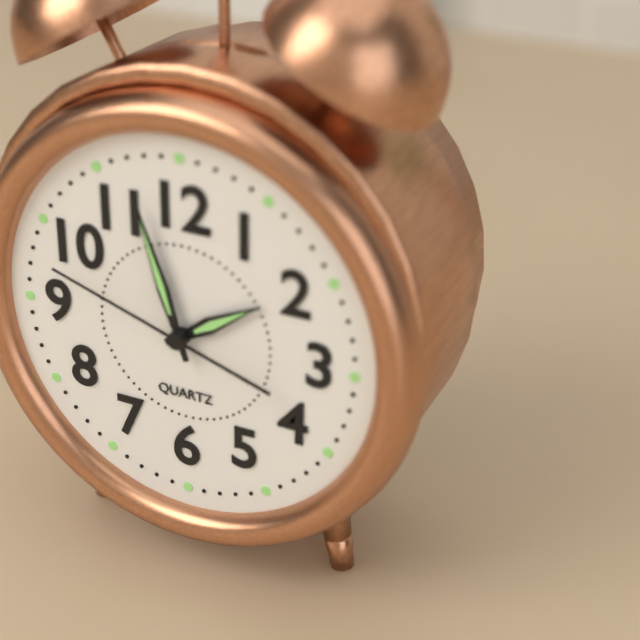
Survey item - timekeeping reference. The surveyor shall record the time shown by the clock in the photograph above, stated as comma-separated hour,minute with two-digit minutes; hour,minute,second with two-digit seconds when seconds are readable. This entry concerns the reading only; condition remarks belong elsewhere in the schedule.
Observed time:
1,57,48
